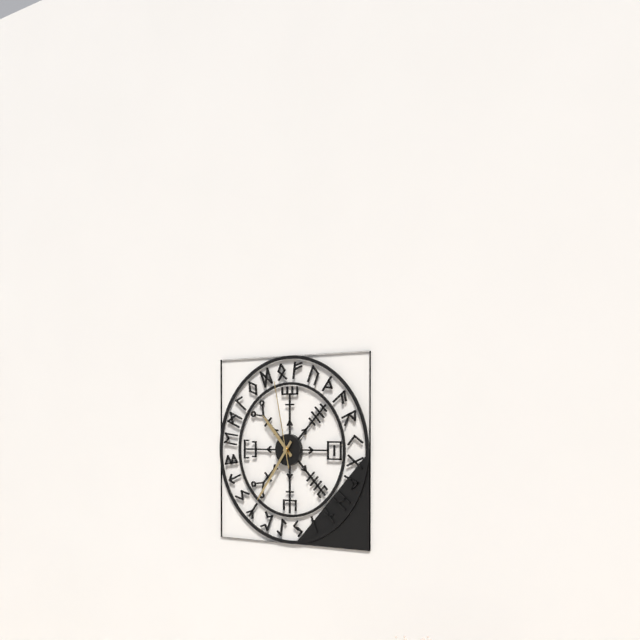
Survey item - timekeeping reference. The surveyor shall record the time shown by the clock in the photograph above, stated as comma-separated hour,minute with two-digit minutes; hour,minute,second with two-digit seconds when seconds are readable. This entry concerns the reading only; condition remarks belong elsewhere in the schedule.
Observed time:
10,36,58
